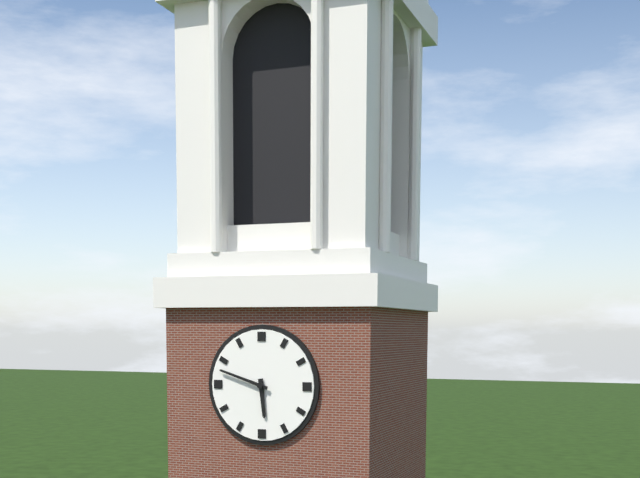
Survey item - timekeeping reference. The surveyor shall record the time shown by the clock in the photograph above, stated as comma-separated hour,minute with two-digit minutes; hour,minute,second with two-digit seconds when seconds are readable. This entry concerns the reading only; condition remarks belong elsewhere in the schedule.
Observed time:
5,48
